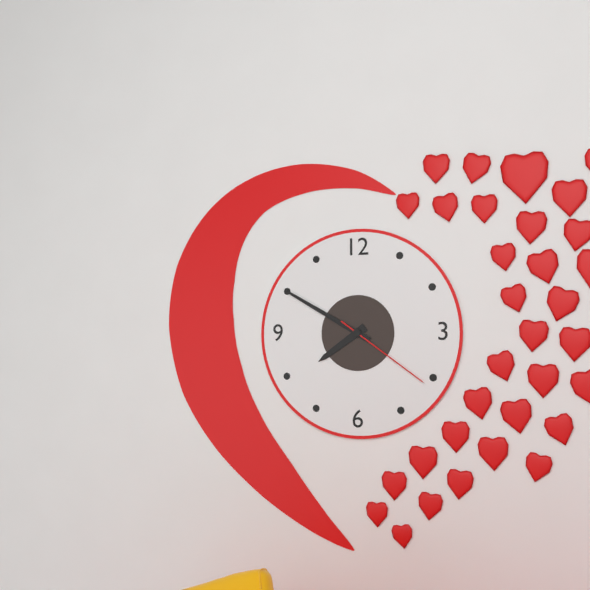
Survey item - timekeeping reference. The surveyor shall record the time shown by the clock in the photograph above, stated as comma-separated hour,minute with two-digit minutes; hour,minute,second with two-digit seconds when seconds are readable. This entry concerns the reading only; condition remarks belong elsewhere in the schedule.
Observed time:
7,50,21
